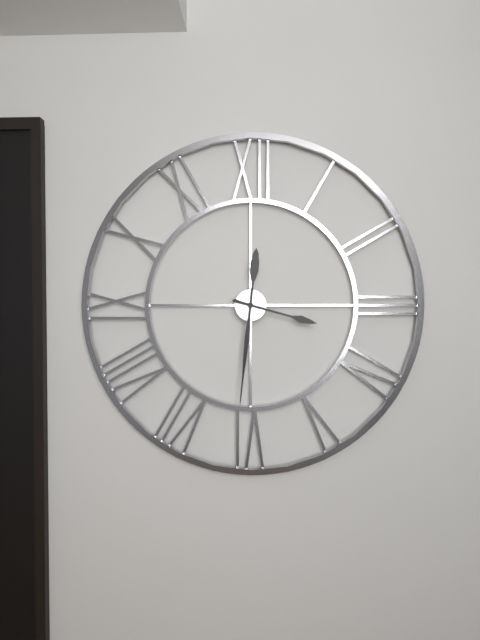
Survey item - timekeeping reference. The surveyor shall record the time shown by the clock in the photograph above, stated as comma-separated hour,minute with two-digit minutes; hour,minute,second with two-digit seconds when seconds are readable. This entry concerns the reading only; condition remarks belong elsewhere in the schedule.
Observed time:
3,31
